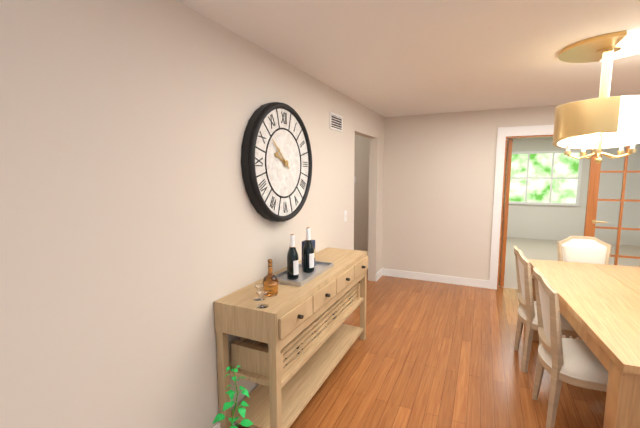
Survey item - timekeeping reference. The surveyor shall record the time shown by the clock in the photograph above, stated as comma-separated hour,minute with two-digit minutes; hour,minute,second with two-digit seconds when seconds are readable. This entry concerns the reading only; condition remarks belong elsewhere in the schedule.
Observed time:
9,52
